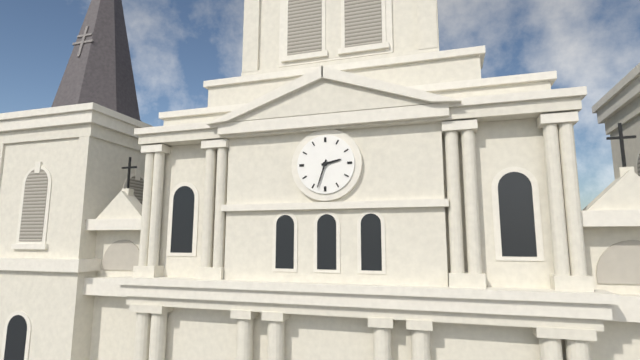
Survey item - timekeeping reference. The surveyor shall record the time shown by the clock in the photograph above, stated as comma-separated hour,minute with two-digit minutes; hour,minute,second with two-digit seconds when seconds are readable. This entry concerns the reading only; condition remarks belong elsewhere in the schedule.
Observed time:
2,33
